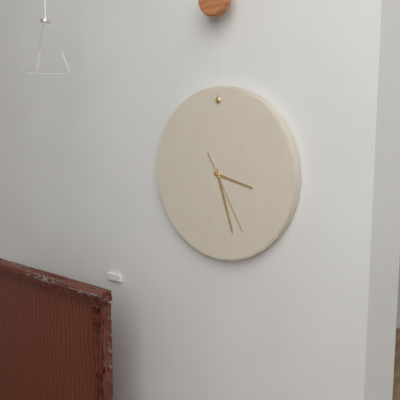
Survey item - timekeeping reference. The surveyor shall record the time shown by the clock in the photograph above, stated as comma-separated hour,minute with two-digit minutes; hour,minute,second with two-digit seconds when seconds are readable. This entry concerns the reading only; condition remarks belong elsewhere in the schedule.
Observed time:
3,27,25
